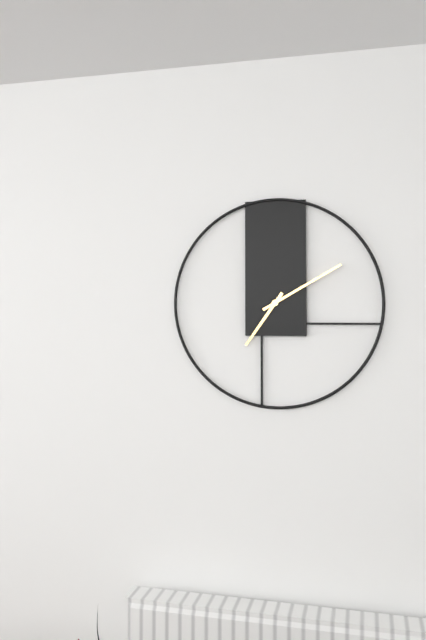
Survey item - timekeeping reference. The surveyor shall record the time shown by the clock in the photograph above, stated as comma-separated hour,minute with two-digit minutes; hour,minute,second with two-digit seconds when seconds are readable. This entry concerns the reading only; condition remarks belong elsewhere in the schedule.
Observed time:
7,10
